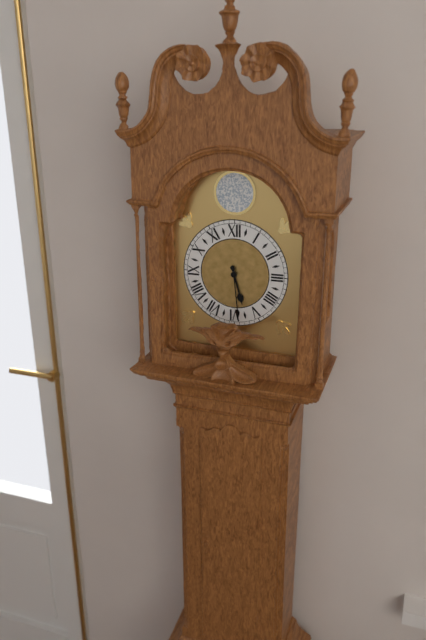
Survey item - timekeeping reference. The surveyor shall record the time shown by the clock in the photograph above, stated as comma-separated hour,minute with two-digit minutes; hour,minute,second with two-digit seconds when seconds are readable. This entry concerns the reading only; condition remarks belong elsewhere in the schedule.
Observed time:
5,29
